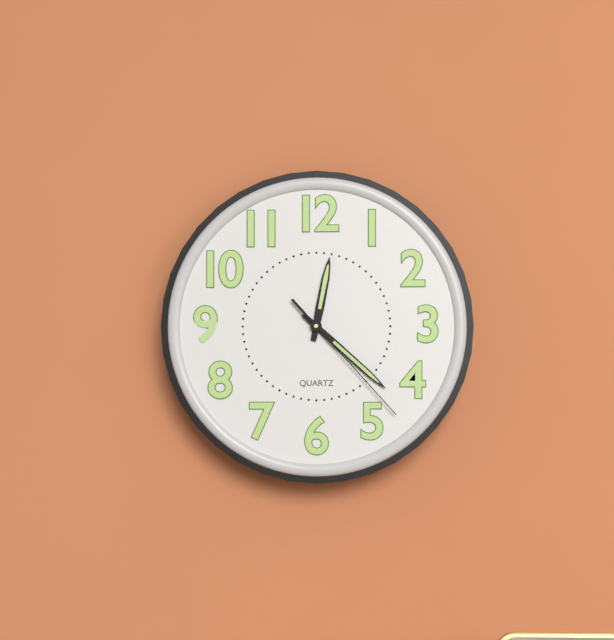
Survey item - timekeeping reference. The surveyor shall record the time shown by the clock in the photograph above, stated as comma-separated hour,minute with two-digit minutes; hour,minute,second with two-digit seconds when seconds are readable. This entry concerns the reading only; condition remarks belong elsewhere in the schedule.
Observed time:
12,22,23
